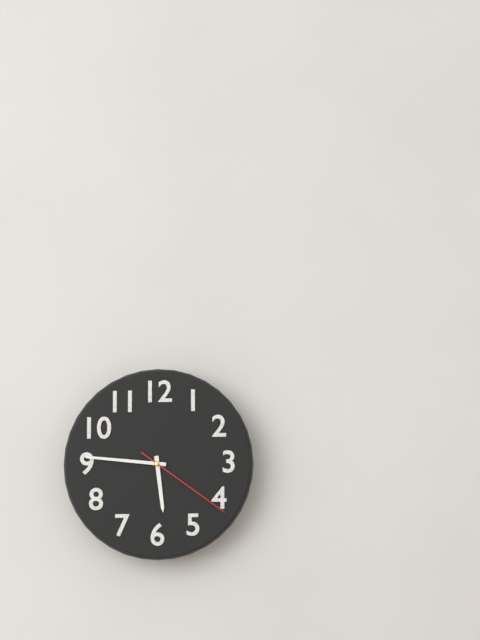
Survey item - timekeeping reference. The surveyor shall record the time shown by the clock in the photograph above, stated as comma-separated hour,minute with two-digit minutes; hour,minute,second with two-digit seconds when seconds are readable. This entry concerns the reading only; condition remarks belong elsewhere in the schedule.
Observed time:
5,46,21
